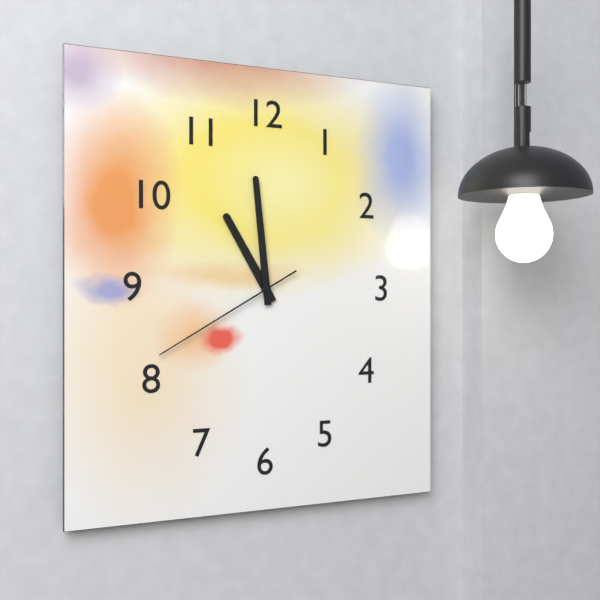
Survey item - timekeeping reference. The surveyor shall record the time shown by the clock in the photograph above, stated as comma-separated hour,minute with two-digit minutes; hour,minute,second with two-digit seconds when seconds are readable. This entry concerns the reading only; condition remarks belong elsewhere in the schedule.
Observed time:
10,59,40
